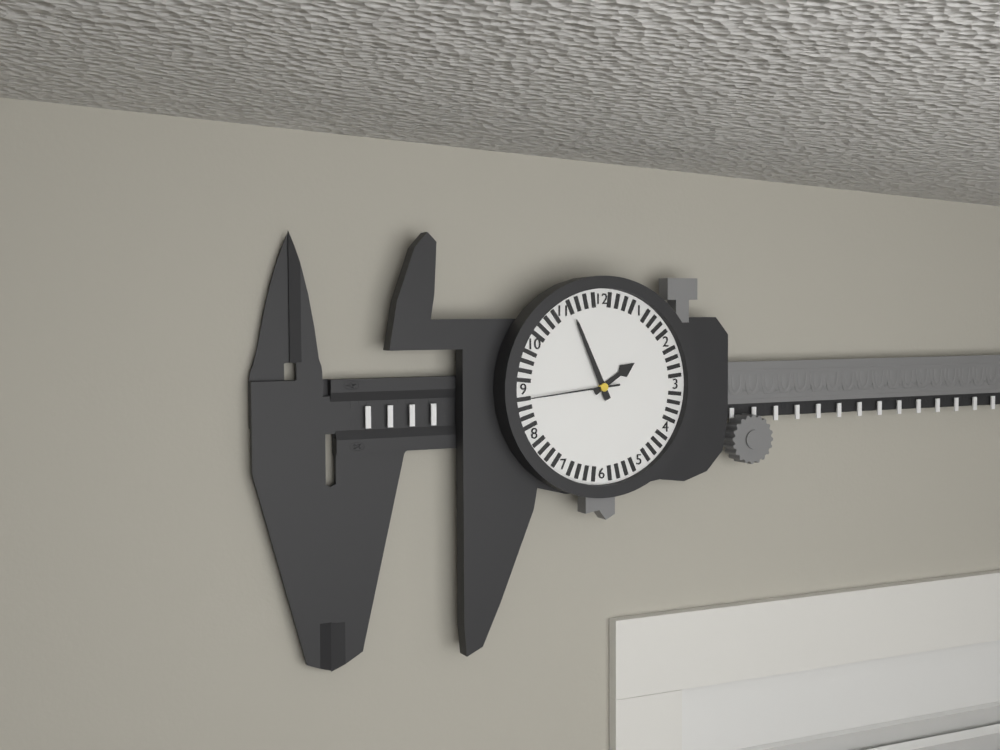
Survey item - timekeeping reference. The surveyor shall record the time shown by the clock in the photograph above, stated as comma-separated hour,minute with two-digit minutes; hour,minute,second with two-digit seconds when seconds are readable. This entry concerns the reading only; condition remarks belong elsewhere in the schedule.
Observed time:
1,56,44
